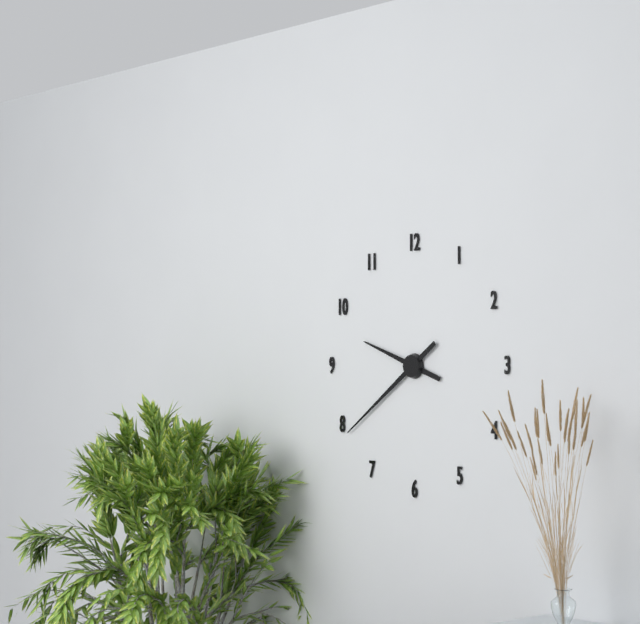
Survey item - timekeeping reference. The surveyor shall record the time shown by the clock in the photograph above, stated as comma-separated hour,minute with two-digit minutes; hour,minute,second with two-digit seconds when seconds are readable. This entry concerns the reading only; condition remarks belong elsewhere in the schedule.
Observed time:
9,39
